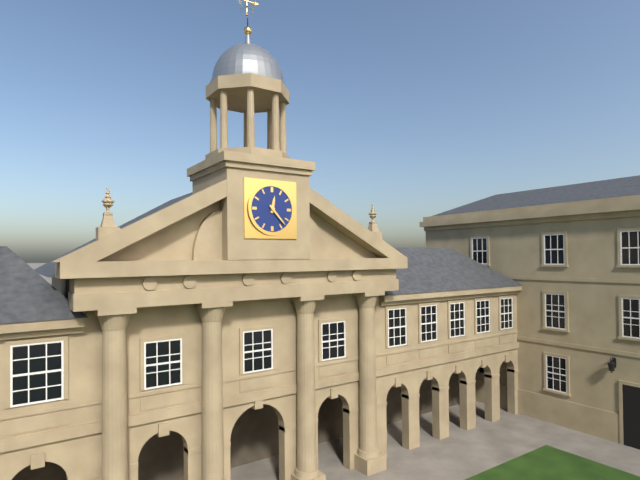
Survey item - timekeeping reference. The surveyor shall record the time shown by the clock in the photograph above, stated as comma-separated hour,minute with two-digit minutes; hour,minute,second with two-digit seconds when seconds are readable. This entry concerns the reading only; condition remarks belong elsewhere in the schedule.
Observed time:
12,23
